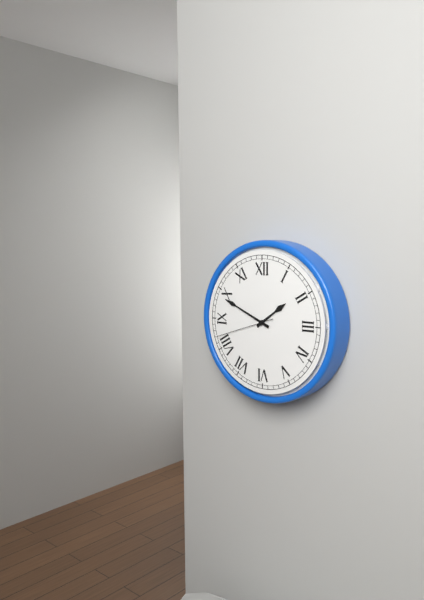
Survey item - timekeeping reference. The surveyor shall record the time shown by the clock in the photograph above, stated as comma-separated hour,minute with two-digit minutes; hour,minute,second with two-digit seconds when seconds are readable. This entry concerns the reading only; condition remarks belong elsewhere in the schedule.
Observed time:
1,49,42
